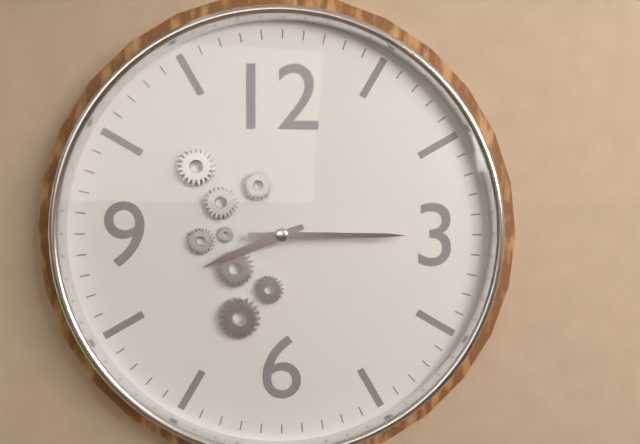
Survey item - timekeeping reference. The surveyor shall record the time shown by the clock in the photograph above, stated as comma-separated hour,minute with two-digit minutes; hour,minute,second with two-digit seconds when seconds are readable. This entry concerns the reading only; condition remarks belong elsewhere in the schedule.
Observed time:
8,15
